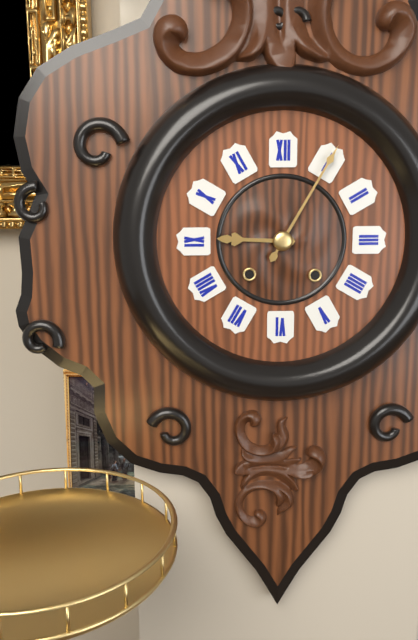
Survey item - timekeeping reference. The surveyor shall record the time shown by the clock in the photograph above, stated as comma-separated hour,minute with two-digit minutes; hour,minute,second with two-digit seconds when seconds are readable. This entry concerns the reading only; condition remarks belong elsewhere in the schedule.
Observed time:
9,05
